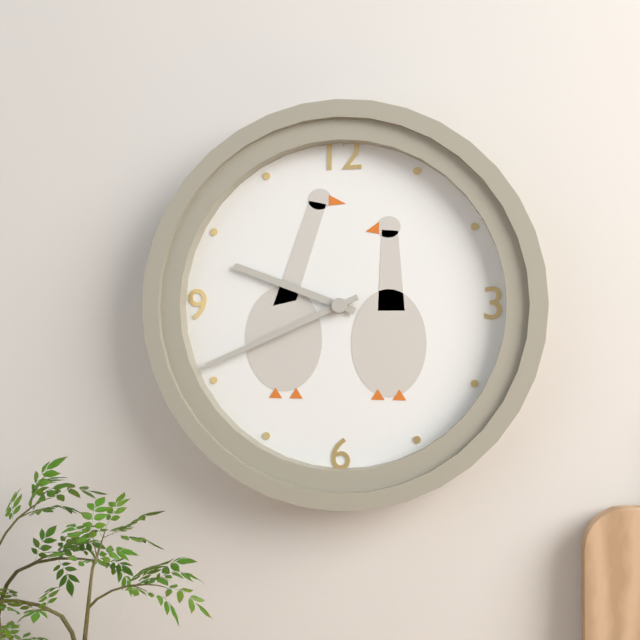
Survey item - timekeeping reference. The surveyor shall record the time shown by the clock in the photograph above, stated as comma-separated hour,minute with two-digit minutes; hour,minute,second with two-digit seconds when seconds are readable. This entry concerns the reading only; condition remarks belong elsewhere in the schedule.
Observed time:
9,41
